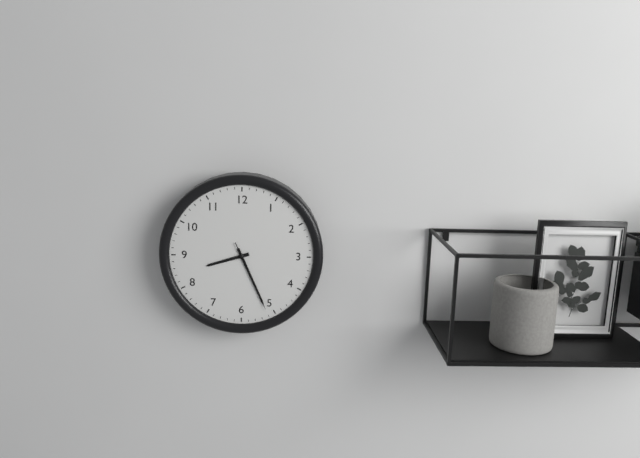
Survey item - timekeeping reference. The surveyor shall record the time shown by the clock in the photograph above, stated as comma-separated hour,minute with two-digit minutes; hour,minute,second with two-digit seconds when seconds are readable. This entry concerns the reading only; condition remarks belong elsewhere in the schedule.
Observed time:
8,26,26
